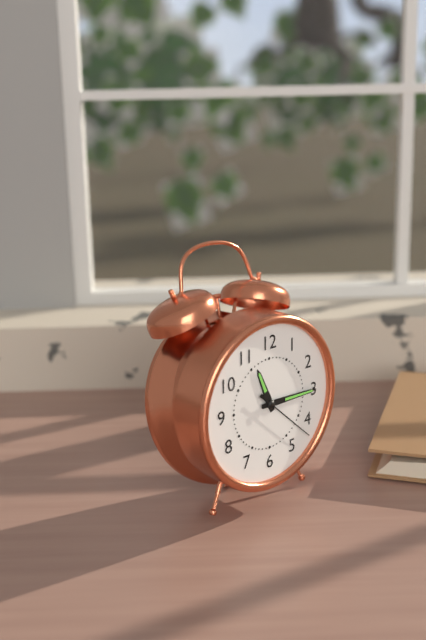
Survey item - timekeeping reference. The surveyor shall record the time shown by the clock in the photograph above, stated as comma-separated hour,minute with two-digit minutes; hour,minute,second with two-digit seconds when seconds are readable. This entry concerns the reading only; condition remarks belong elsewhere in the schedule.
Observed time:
11,15,22
